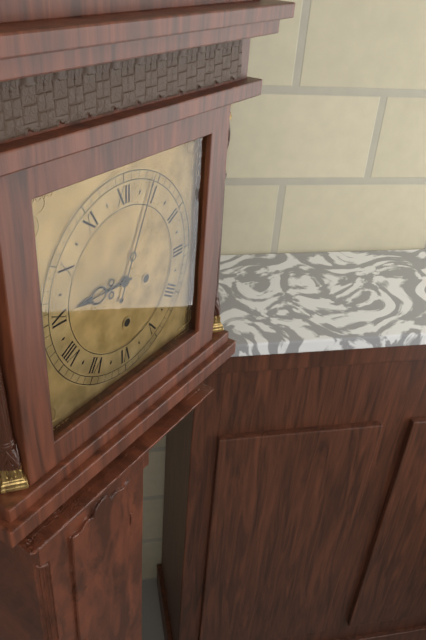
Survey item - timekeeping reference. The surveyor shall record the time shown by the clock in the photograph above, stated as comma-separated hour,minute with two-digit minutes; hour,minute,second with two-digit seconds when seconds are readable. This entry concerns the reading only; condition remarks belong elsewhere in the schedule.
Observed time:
9,04
